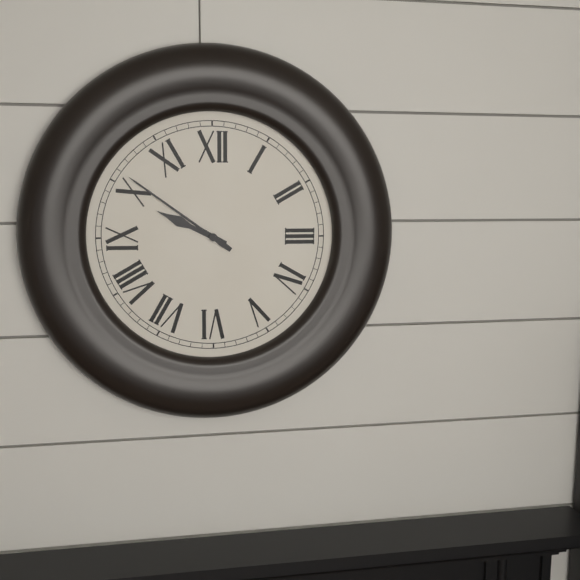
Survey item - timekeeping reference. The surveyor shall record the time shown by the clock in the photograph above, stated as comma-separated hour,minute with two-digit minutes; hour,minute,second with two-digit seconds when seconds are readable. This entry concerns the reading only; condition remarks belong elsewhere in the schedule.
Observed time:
9,51
